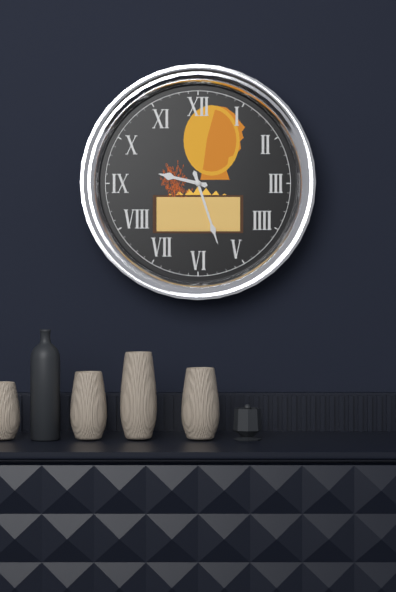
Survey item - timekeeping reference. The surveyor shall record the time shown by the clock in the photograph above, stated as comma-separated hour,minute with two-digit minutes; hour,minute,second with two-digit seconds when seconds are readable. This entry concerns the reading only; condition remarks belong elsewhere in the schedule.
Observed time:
9,27
